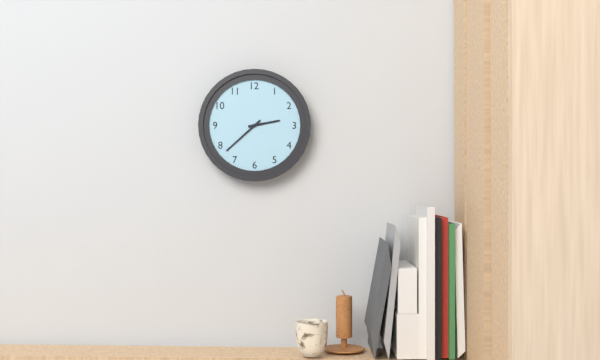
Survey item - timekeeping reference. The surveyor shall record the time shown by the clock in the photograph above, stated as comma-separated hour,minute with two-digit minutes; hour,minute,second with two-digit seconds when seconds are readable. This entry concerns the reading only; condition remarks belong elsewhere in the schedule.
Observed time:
2,38
